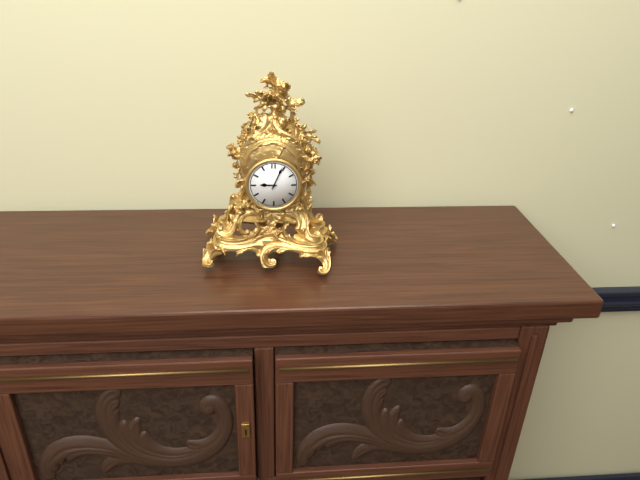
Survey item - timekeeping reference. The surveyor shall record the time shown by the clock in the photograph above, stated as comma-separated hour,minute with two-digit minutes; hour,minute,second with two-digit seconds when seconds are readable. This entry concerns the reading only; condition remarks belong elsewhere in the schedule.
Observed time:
9,04
